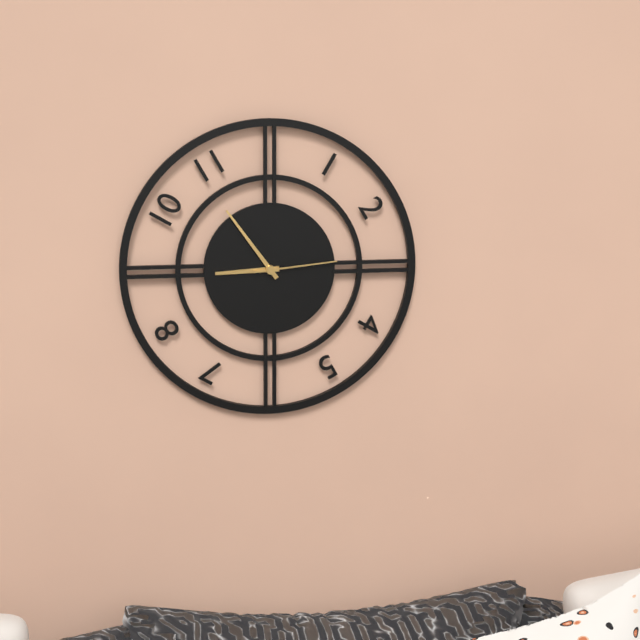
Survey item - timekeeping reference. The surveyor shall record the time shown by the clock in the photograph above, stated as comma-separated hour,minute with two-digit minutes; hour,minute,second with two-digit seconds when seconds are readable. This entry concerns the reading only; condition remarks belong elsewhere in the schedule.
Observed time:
8,54,14
